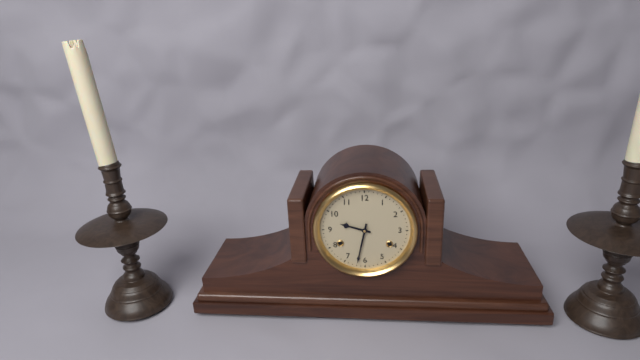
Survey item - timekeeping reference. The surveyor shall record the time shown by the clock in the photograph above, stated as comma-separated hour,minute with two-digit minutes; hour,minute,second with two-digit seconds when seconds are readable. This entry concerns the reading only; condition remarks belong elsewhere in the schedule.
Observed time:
9,32
